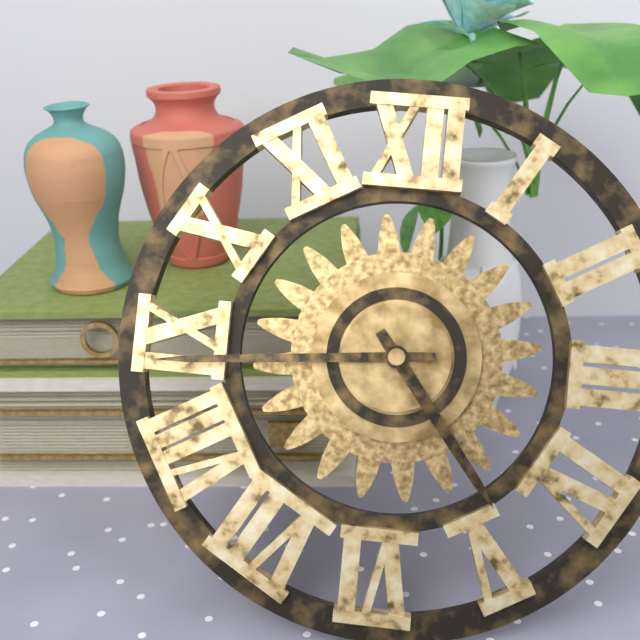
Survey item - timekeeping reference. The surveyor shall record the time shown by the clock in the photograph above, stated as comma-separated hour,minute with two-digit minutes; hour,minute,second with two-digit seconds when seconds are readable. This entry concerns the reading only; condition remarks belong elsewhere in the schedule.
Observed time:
4,44
